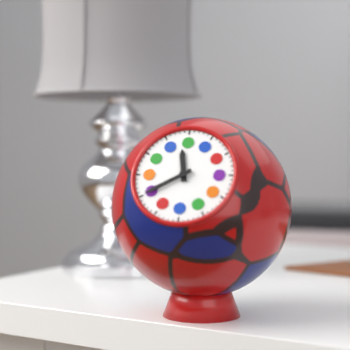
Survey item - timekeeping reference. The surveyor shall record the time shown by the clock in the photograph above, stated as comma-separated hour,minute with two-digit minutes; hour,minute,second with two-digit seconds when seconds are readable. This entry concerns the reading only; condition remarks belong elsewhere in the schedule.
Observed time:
11,40
